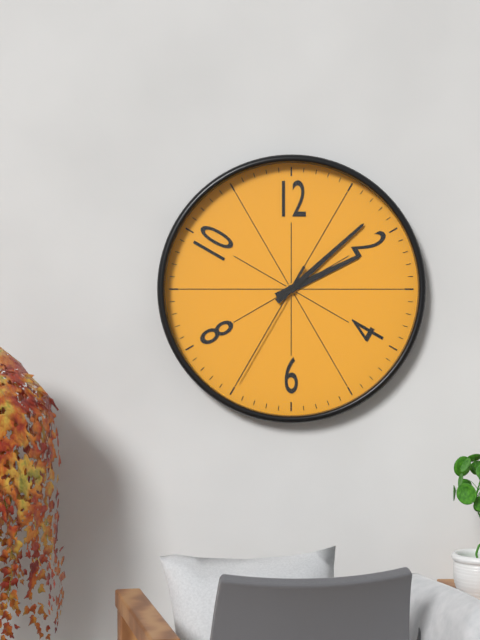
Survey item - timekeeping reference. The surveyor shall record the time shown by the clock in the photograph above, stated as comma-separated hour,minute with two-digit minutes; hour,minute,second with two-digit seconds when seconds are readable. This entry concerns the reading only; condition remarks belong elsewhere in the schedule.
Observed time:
2,08,35
